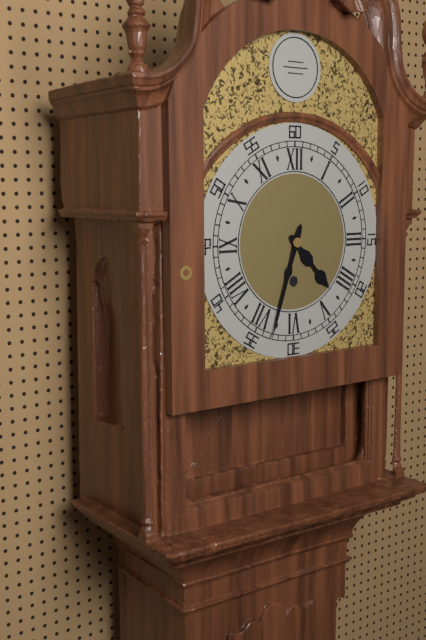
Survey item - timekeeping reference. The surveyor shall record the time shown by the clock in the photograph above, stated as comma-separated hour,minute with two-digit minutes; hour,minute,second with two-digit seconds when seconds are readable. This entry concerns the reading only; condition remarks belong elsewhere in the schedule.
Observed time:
4,33
